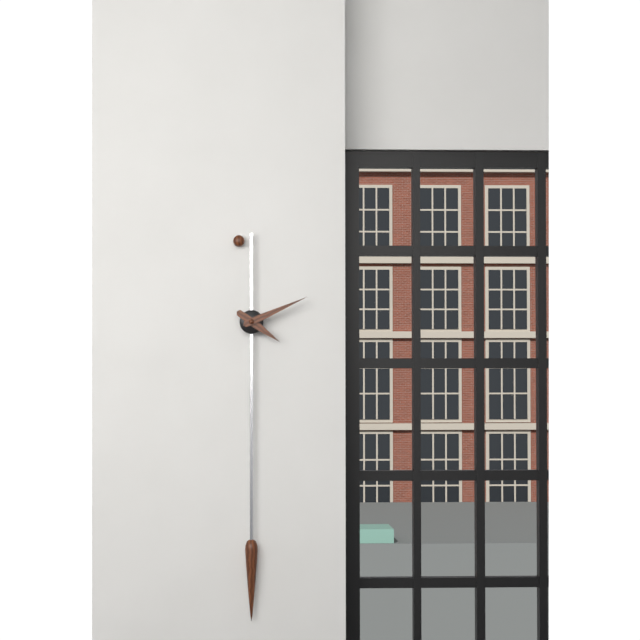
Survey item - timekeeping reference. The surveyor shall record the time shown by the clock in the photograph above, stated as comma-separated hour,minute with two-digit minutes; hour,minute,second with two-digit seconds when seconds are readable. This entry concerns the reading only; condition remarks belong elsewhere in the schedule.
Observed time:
4,11
